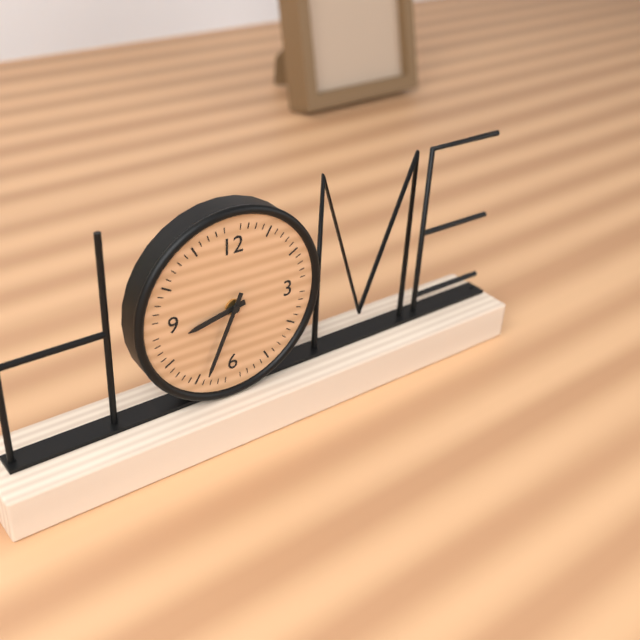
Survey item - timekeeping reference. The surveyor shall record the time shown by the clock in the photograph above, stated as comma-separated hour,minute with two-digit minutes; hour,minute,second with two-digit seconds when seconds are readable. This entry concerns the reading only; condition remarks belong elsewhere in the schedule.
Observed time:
8,34
